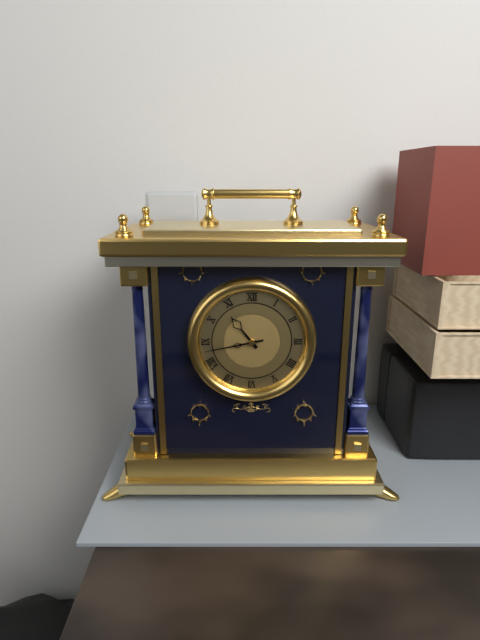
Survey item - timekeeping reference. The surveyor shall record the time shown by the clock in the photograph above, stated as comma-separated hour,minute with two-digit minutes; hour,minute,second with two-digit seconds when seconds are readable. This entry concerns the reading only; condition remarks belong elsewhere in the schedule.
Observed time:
10,43
